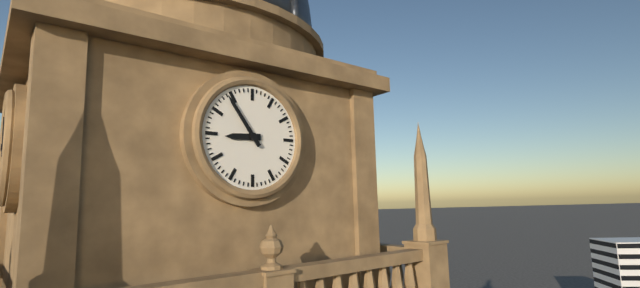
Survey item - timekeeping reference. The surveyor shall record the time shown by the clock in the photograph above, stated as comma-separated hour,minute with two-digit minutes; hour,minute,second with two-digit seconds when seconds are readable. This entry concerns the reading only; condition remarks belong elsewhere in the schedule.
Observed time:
8,54
